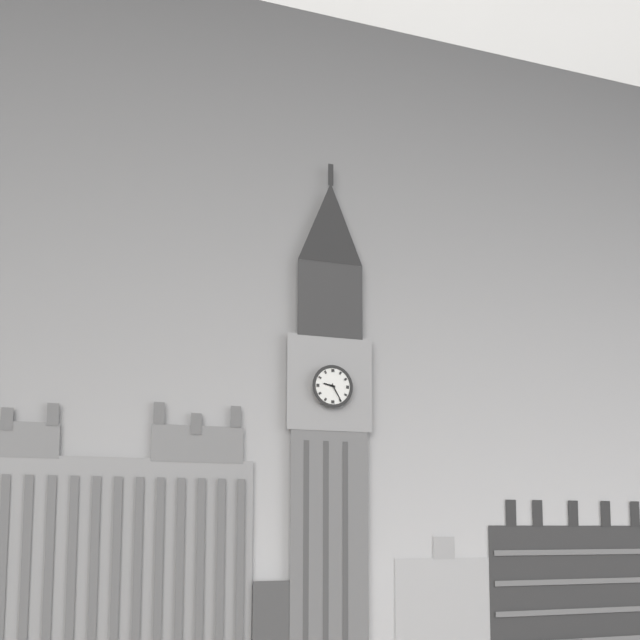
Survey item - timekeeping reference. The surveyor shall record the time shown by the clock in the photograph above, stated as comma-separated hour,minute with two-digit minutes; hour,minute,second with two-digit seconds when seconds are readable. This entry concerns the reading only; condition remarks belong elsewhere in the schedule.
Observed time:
9,25
